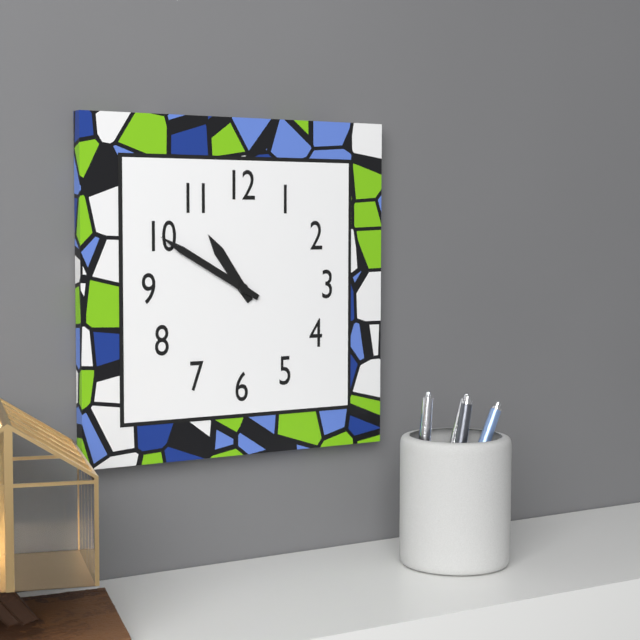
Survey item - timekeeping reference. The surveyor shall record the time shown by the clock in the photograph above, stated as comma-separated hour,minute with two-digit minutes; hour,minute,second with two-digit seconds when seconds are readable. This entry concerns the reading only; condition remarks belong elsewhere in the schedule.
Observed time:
10,50
